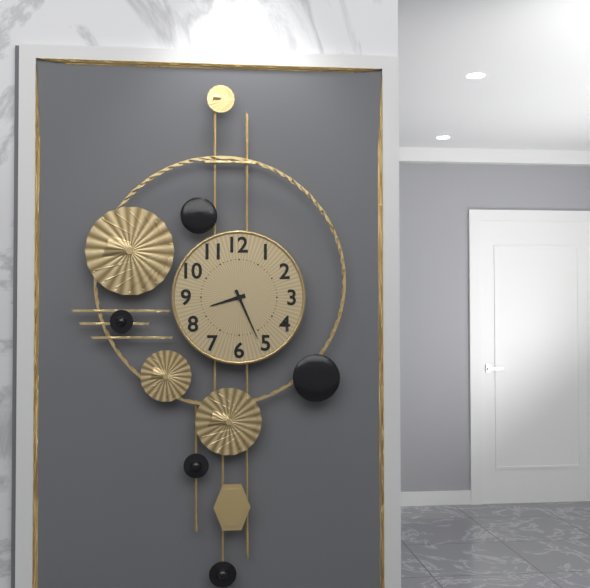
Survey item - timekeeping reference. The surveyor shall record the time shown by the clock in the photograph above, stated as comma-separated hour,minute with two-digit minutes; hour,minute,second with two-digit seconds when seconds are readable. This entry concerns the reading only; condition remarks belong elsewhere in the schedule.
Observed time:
8,26
